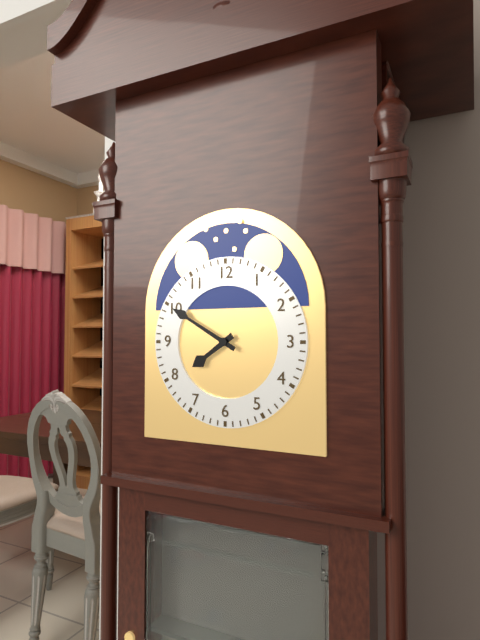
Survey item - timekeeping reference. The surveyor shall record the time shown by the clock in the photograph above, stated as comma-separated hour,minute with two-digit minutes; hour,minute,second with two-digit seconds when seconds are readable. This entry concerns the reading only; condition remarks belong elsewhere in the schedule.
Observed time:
7,50
